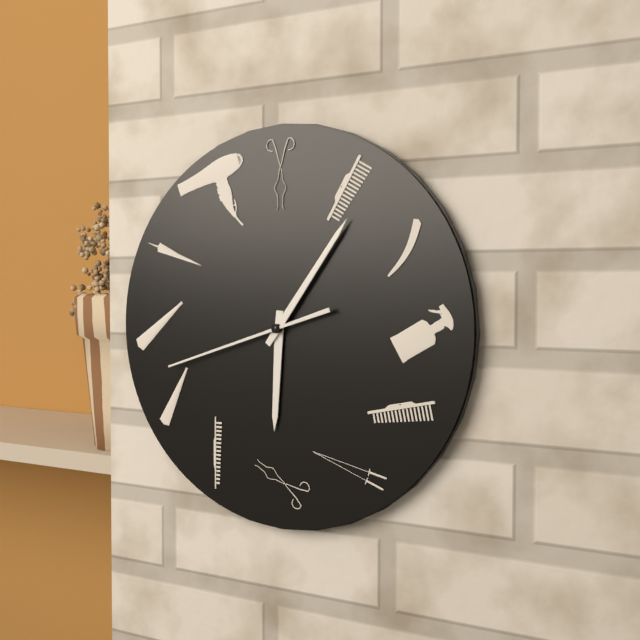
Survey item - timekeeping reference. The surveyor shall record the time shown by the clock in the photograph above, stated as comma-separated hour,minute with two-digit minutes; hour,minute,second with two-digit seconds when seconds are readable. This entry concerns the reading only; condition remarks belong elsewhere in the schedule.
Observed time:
6,06,42
